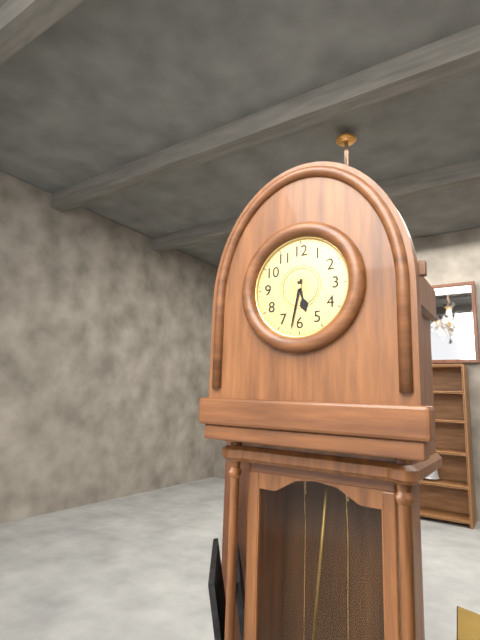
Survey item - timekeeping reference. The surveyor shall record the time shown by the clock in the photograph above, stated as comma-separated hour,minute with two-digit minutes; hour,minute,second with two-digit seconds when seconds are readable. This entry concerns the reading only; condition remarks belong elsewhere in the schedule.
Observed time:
5,32
